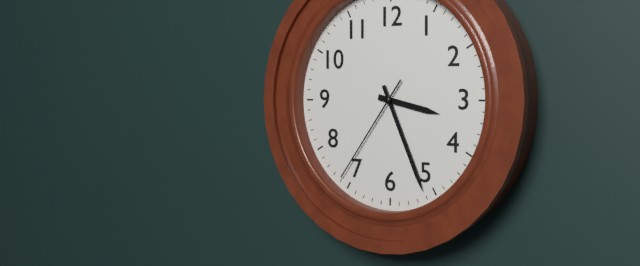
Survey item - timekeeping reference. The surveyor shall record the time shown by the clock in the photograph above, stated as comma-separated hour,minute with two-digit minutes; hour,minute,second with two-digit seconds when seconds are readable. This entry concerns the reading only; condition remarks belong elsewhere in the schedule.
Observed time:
3,26,36
